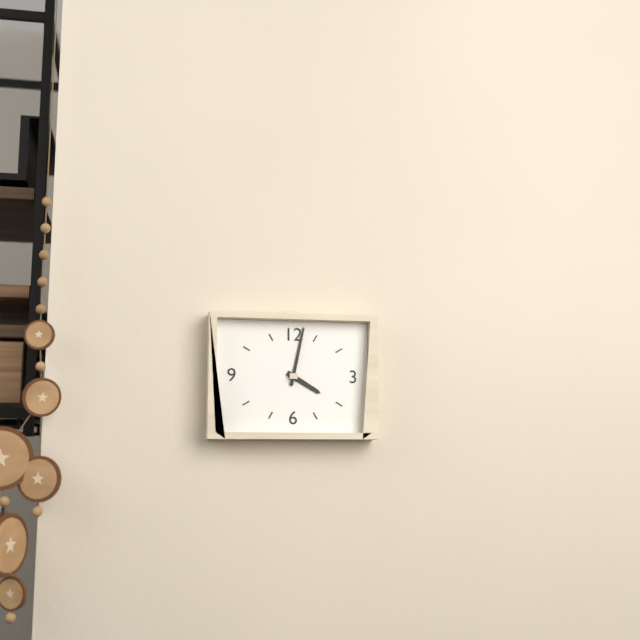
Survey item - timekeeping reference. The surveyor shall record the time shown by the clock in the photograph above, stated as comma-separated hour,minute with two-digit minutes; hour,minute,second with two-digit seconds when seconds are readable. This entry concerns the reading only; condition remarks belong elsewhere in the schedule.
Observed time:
4,02
